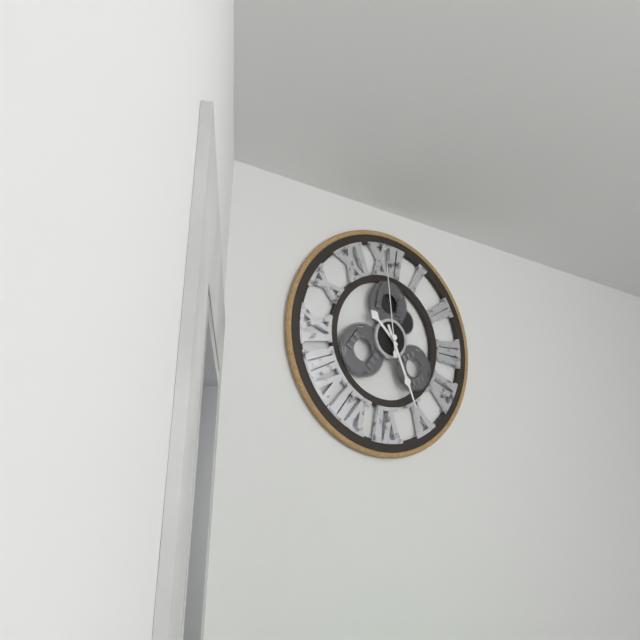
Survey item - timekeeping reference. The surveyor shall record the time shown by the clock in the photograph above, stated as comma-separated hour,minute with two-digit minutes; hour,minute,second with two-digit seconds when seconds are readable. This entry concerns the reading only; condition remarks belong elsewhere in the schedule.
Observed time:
10,26,59
